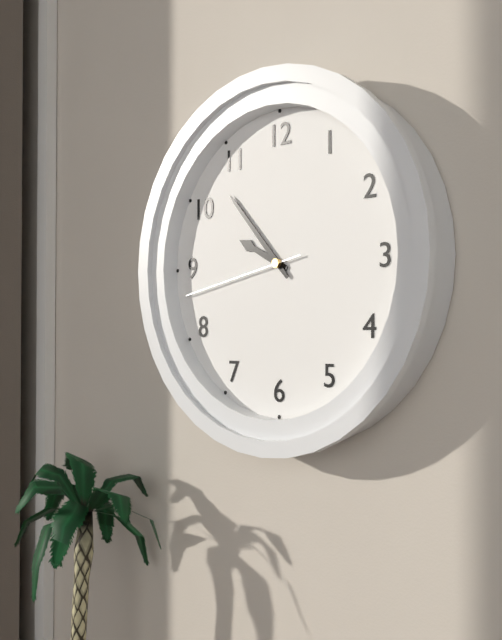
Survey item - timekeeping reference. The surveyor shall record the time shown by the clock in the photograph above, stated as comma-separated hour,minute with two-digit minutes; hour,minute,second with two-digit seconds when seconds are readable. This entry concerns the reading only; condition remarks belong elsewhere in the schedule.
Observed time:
9,53,43
